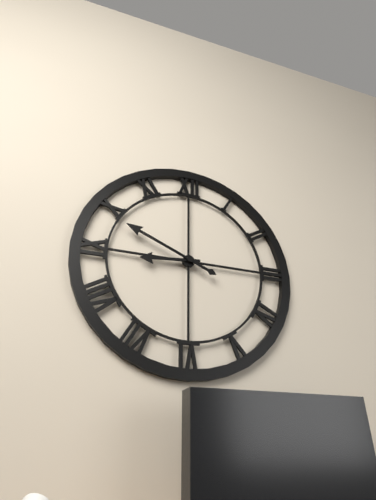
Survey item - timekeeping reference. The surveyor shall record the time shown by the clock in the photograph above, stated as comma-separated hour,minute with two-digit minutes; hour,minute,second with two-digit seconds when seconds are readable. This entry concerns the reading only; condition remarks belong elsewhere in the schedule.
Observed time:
8,49
